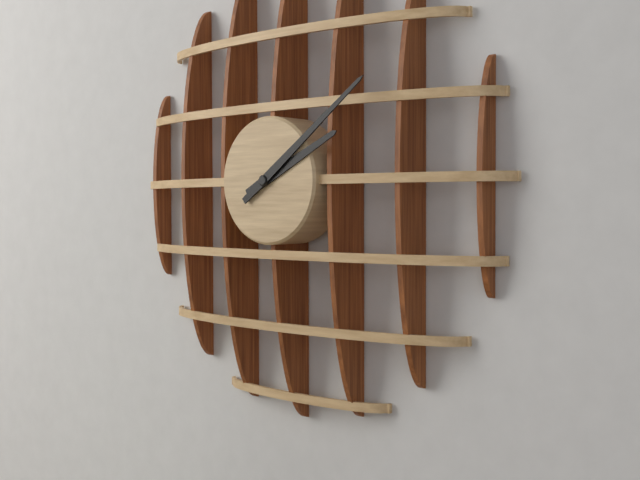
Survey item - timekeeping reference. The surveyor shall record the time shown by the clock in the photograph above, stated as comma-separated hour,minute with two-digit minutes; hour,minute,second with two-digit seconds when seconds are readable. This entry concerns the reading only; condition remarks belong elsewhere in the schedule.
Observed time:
2,09
